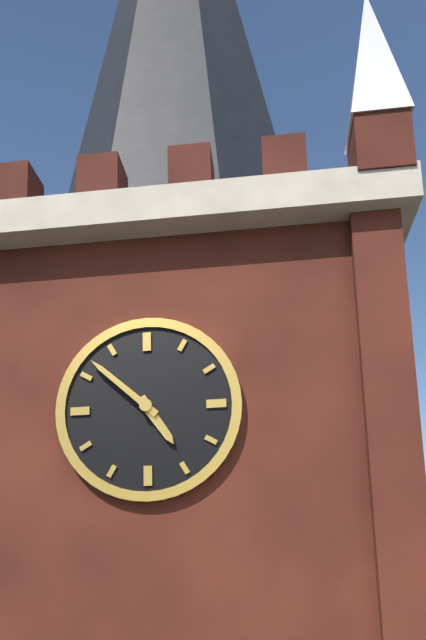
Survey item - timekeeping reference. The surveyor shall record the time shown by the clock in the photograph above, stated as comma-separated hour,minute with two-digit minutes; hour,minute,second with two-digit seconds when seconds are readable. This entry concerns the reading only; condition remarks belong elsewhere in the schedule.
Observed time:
4,52
